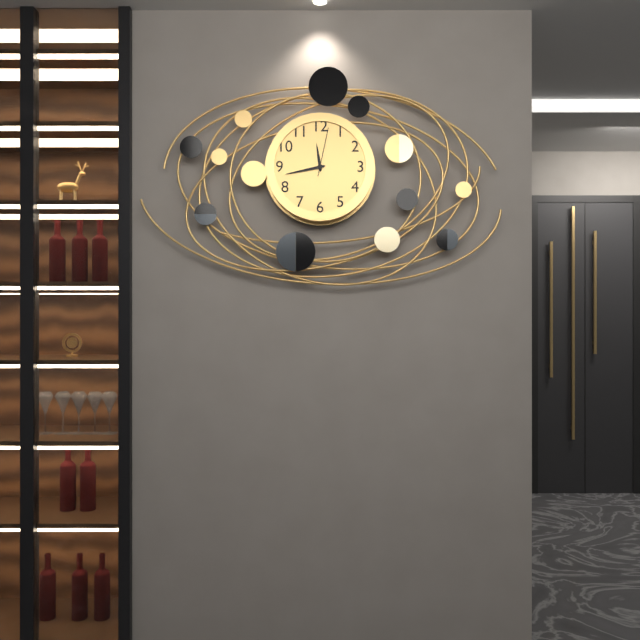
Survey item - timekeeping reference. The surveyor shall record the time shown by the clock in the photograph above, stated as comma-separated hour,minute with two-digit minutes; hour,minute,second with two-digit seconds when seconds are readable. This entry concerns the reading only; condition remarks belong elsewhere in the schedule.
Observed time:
11,43,02
